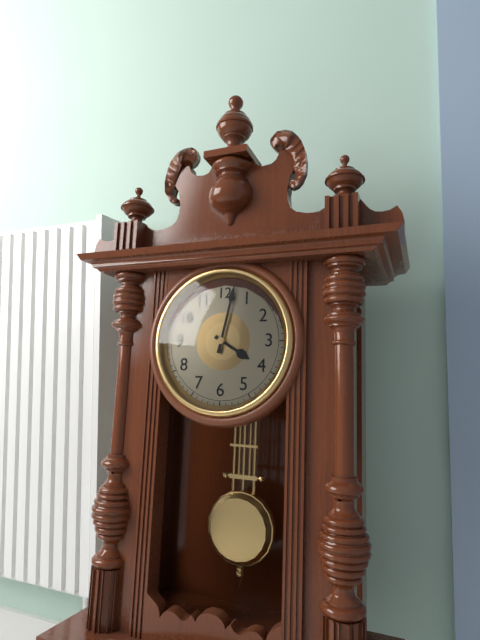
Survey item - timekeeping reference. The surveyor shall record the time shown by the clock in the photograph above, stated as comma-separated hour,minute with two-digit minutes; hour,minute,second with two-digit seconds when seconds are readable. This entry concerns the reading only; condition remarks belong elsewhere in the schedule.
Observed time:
4,02
